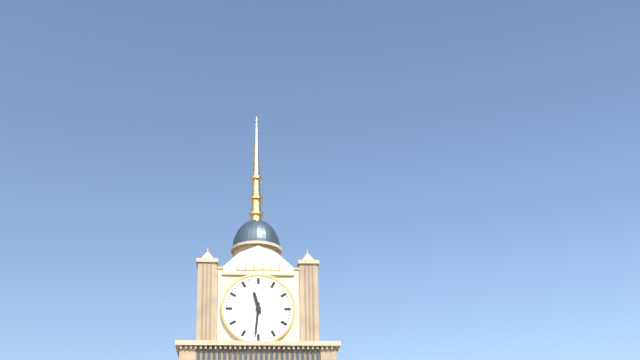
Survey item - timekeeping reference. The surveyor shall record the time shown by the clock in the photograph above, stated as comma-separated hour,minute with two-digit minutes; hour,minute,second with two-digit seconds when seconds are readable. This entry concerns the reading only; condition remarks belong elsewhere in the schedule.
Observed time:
11,31
